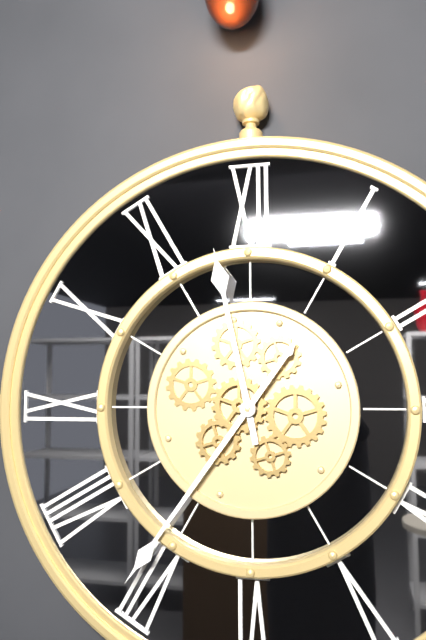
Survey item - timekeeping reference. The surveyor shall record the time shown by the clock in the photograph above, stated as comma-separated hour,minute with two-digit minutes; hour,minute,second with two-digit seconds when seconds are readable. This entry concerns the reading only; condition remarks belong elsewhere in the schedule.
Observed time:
11,36
